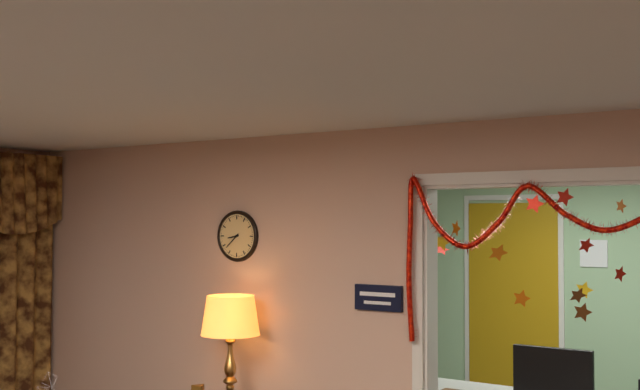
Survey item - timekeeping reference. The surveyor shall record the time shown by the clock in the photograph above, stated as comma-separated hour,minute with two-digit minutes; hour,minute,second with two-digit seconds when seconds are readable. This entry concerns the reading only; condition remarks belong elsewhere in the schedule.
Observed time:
8,38
